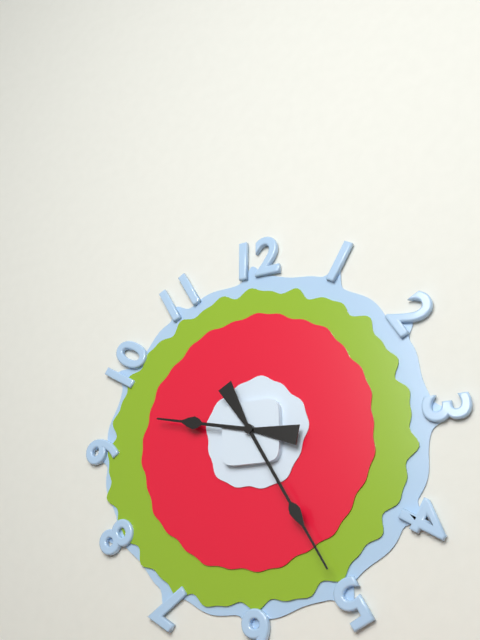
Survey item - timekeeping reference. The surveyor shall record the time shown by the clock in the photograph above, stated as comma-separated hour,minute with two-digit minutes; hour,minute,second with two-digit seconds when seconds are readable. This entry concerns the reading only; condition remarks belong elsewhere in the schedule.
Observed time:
9,25
